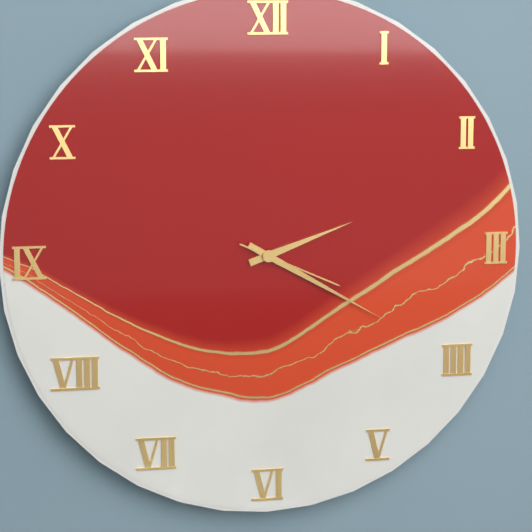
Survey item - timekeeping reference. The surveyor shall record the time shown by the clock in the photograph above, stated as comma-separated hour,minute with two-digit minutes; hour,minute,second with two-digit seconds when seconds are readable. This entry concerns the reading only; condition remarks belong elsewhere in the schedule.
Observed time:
2,20,19
